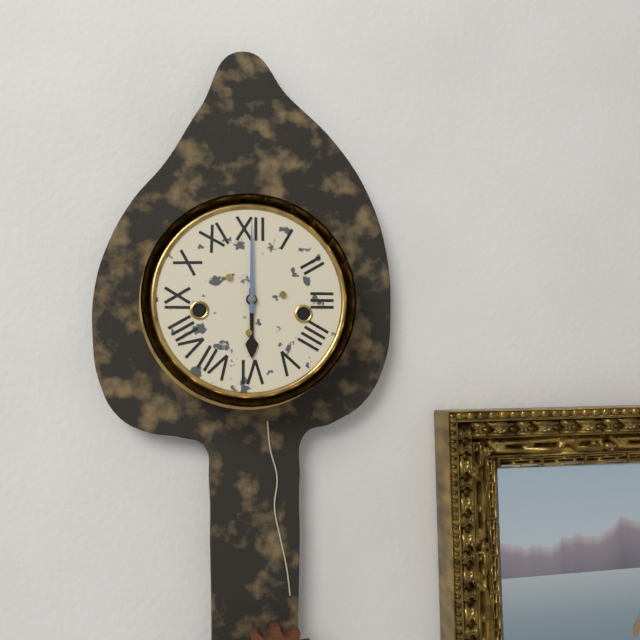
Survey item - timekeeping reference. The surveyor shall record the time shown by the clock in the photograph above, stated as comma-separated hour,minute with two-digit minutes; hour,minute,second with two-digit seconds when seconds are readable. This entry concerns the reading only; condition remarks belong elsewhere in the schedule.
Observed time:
6,00
